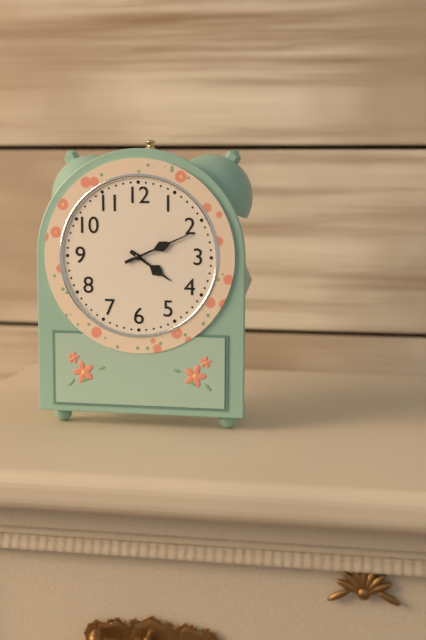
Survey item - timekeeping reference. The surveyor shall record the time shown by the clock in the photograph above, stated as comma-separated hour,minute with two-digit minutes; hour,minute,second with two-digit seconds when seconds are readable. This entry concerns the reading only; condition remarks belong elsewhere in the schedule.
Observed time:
4,11
